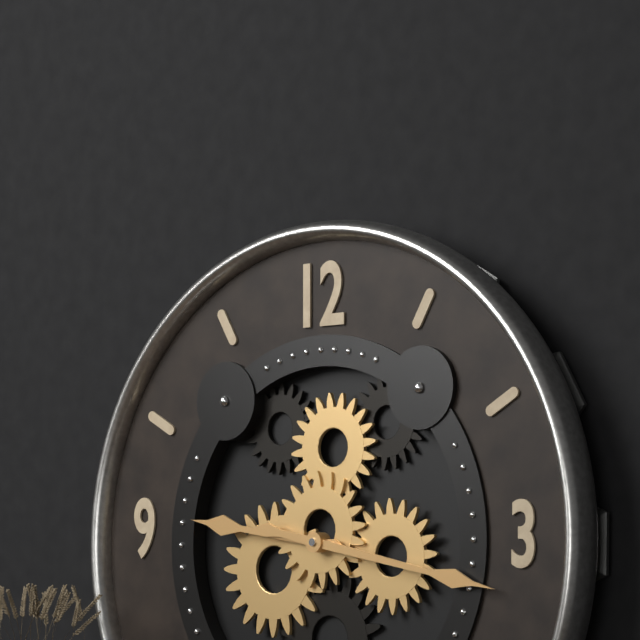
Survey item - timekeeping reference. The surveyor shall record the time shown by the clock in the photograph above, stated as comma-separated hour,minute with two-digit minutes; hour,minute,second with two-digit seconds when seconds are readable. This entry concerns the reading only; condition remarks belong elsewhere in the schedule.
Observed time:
9,17
